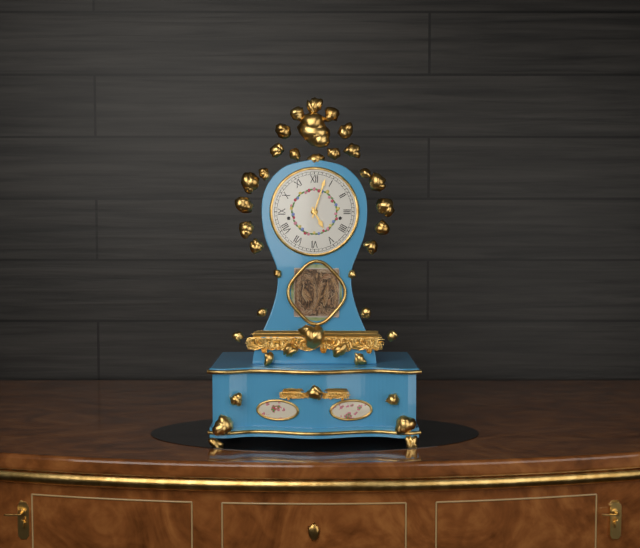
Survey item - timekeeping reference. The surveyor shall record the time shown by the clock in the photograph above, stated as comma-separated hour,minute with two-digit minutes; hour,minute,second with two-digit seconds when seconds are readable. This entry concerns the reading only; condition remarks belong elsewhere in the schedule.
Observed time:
5,03
